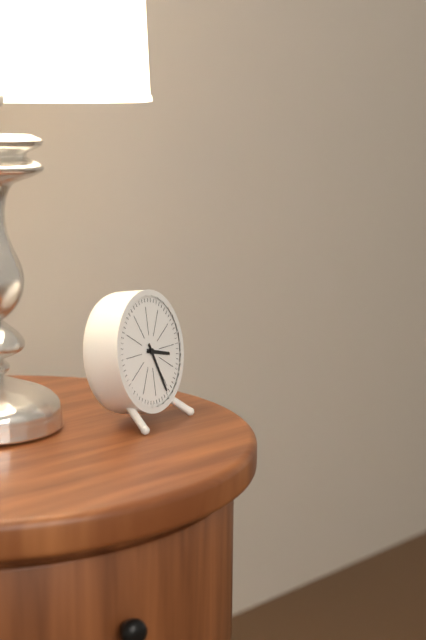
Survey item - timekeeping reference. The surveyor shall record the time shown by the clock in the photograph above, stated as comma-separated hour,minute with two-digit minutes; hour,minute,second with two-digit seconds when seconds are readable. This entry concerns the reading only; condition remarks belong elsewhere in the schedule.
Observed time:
3,26
